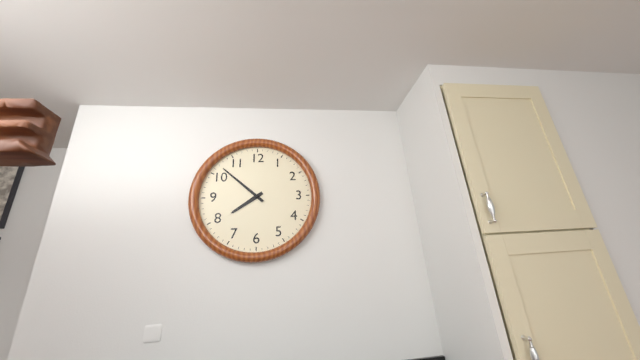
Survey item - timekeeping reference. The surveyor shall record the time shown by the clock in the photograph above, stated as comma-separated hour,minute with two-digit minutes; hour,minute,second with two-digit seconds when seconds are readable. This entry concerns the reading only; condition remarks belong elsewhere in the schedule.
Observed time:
7,52
